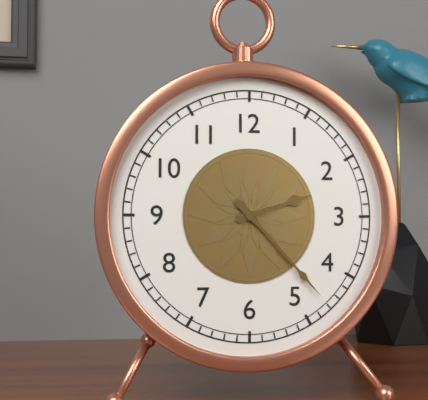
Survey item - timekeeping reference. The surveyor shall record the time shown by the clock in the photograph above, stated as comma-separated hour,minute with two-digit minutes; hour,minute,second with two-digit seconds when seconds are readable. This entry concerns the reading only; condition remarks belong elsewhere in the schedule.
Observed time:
2,23
